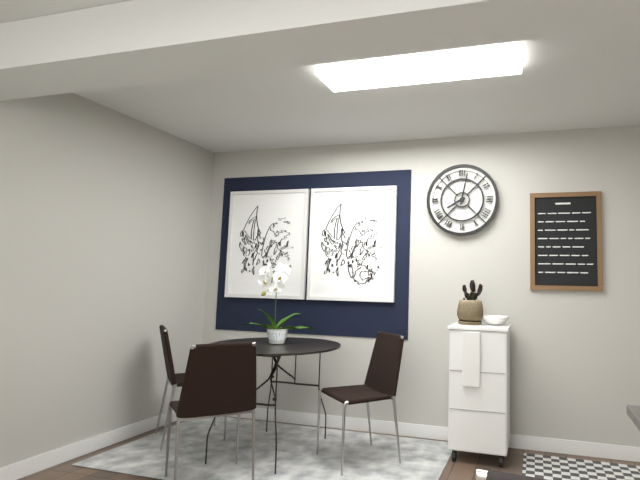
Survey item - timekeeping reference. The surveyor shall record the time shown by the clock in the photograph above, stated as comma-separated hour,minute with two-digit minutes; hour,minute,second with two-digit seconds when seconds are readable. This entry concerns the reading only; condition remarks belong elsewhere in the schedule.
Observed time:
8,02
